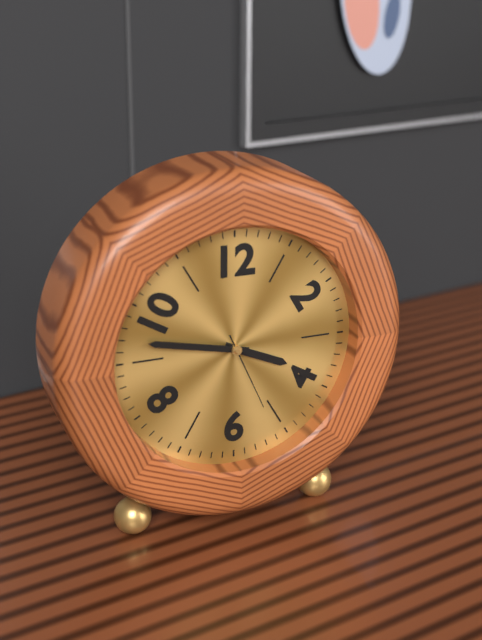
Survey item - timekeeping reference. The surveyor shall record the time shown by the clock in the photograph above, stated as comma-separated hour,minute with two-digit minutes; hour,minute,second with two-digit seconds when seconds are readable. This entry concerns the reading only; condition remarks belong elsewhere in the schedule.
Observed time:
3,47,26
